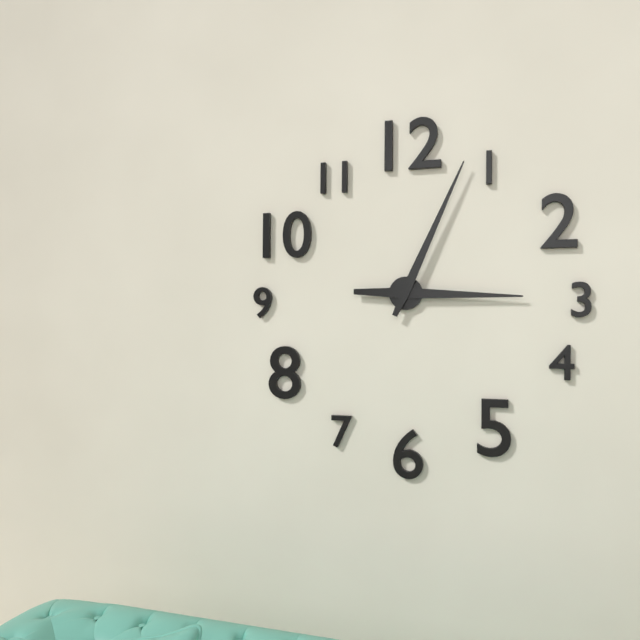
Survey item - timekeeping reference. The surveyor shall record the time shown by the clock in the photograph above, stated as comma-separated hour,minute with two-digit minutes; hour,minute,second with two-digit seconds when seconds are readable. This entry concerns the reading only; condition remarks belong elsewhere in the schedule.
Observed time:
3,04
